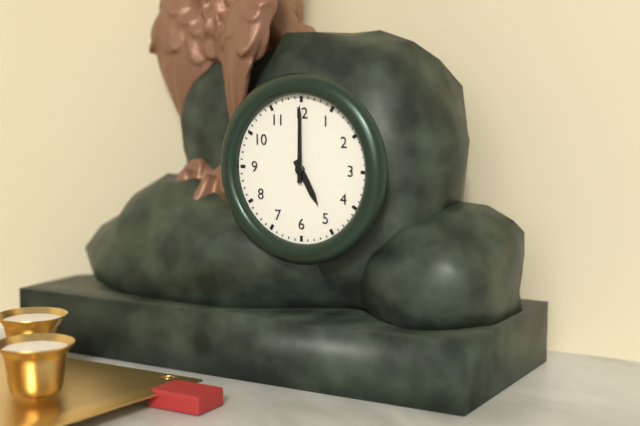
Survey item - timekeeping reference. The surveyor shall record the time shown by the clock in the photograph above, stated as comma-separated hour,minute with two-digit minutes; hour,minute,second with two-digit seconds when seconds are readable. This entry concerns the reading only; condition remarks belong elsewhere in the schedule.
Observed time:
5,00
